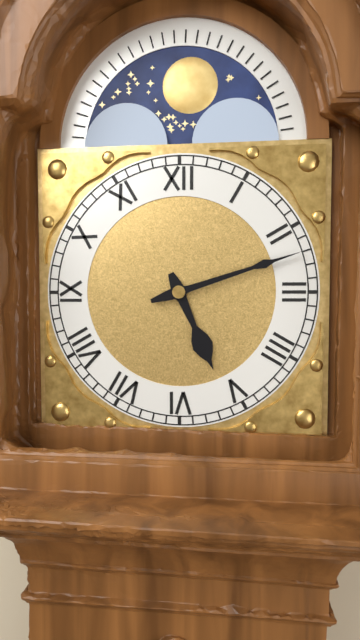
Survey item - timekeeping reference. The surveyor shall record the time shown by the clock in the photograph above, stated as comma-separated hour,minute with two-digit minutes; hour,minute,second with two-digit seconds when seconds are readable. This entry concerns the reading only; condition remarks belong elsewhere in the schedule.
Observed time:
5,12
